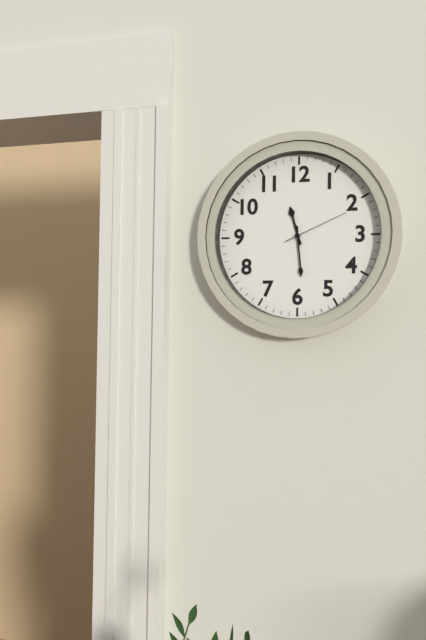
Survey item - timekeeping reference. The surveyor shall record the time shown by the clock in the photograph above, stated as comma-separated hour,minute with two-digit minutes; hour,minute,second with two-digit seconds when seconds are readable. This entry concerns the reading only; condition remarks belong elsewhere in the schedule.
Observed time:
11,29,11
